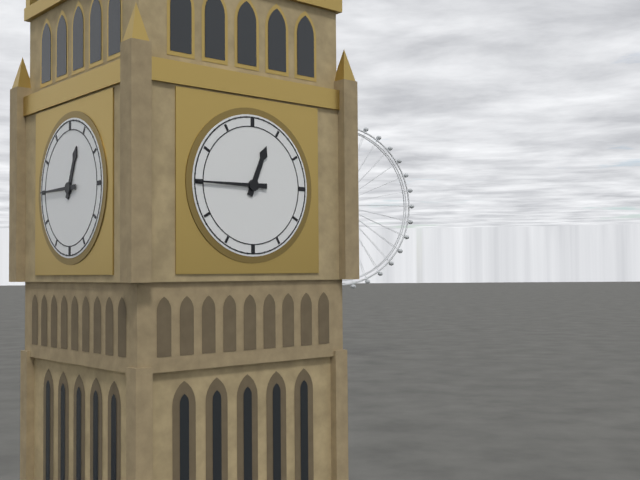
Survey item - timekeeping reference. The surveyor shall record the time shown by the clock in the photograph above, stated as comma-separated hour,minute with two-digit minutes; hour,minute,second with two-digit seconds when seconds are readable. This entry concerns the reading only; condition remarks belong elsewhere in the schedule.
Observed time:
12,45
